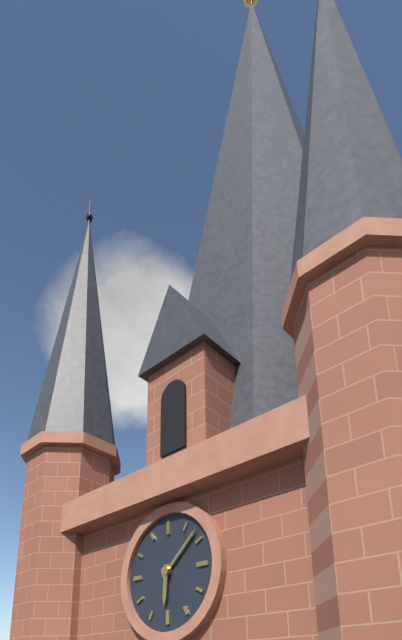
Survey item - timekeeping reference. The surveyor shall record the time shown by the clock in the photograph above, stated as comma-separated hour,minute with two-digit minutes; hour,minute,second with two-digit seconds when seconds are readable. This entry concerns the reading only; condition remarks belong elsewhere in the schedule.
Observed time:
6,08
